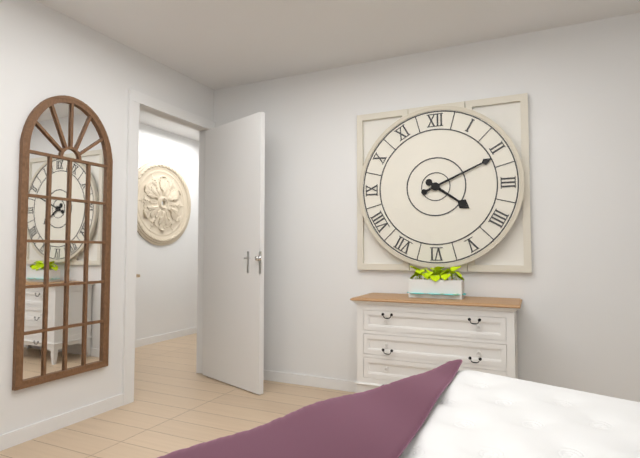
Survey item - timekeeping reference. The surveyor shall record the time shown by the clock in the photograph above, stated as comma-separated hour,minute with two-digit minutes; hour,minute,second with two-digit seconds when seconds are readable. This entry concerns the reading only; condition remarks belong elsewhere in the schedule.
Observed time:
4,11
